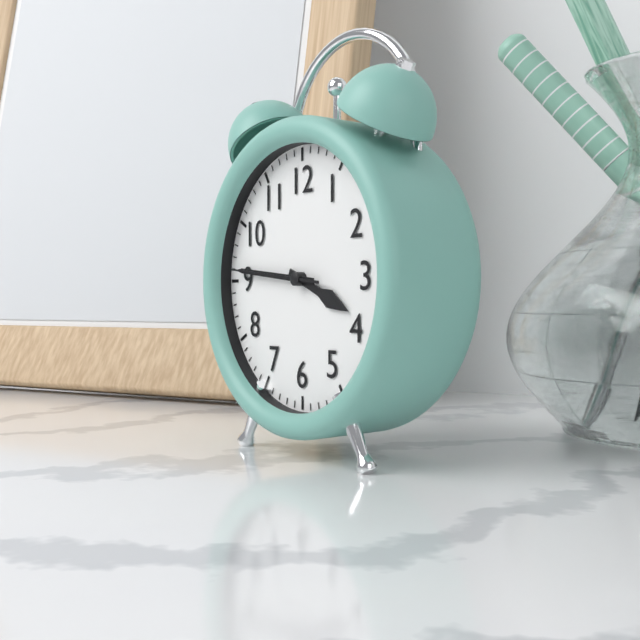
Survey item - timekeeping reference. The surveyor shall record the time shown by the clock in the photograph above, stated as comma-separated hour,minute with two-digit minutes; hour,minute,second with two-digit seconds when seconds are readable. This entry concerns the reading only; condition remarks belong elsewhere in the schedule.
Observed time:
3,46,46
